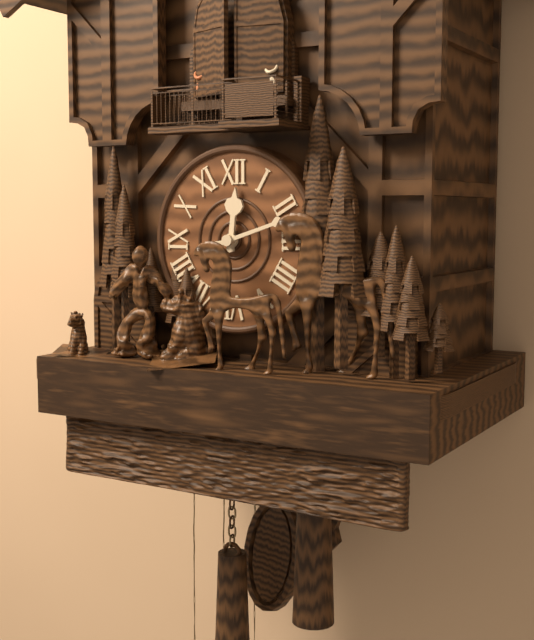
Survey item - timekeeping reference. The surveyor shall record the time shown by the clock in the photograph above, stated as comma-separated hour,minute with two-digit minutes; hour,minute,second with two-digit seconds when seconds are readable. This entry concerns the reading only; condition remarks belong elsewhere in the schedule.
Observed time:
12,12
